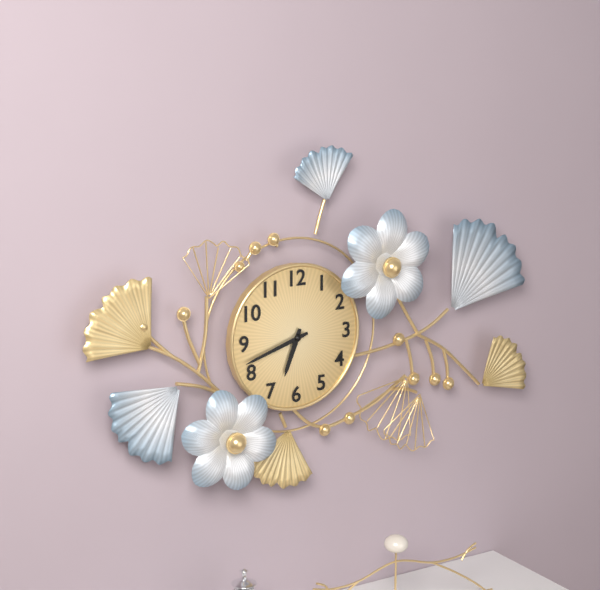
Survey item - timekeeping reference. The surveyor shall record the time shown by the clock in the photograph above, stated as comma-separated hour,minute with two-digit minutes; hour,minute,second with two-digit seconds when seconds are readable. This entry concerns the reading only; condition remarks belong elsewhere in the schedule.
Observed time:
6,42
